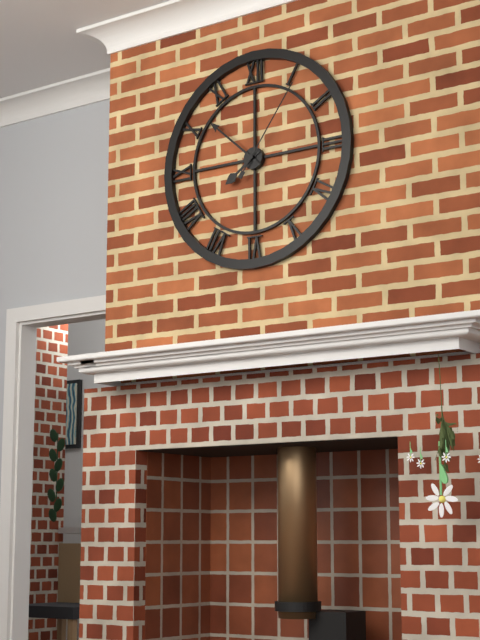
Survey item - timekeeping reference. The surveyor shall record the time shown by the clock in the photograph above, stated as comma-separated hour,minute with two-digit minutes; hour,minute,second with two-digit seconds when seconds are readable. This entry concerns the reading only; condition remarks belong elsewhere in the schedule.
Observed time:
7,52,06
